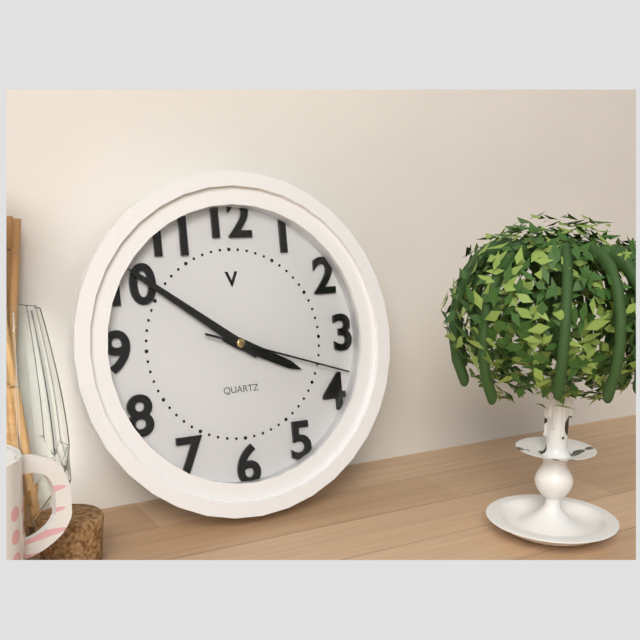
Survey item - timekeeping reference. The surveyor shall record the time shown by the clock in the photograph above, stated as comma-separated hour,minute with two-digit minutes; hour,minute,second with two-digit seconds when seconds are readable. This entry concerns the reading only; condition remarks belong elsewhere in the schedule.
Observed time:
3,51,18
